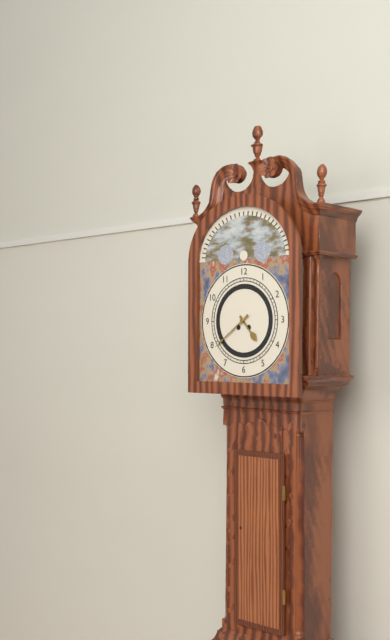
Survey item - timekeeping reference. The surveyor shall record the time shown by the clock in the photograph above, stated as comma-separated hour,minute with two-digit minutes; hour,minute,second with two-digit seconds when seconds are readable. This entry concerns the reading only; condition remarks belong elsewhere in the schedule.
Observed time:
4,39
